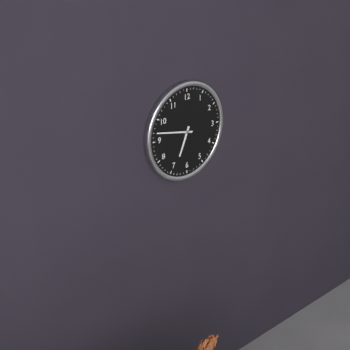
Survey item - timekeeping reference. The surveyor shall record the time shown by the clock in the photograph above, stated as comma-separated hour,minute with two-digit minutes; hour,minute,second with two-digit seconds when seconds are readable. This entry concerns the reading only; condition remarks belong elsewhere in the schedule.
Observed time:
6,47
